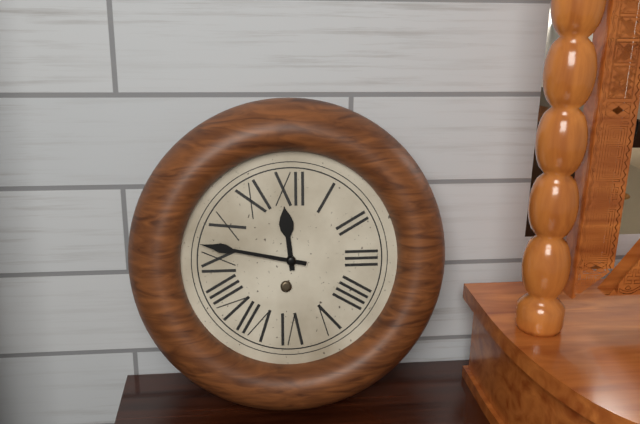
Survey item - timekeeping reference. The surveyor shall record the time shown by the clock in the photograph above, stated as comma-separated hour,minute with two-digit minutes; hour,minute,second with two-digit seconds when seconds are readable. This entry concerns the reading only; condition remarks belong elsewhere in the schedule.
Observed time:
11,47
